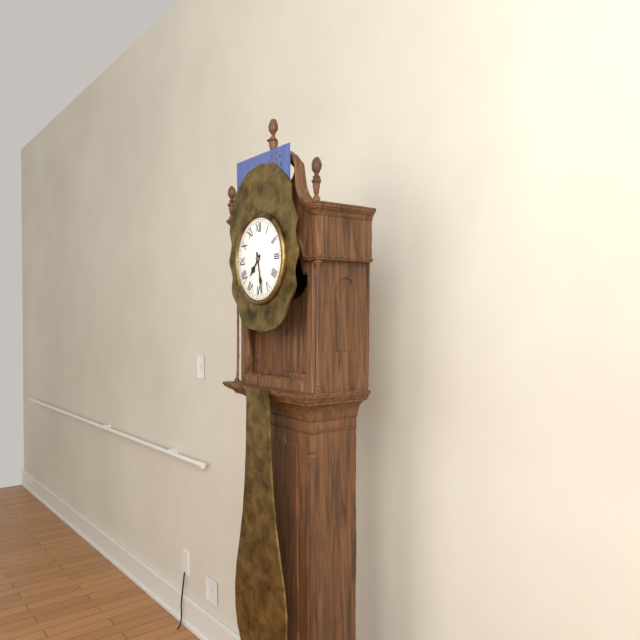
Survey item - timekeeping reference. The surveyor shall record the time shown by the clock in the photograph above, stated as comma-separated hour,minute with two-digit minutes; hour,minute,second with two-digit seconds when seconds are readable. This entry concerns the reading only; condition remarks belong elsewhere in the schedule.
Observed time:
7,28
